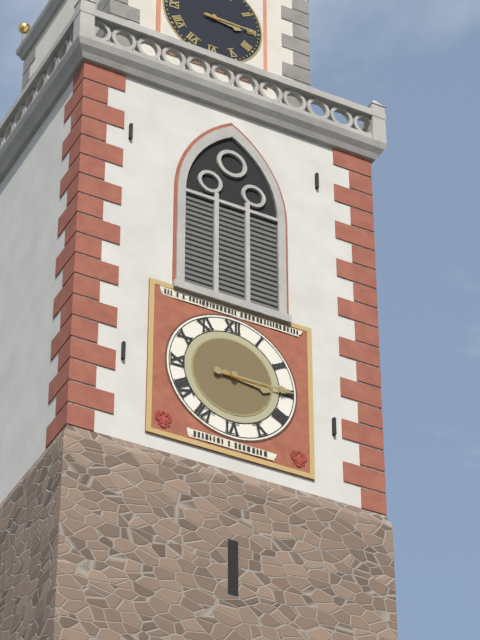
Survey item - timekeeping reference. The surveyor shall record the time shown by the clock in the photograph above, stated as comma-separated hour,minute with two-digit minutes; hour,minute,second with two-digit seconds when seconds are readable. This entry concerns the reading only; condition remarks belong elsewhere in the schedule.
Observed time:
3,15
